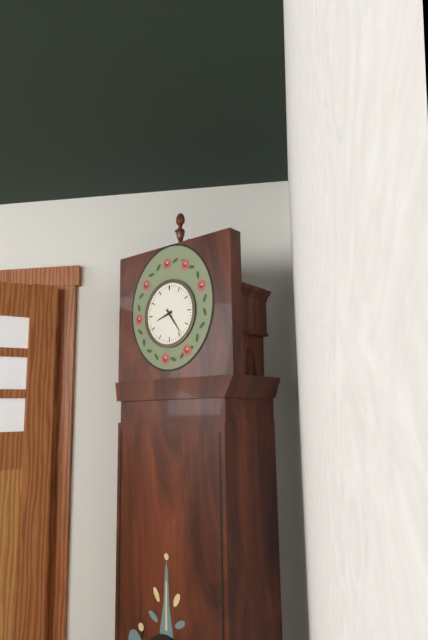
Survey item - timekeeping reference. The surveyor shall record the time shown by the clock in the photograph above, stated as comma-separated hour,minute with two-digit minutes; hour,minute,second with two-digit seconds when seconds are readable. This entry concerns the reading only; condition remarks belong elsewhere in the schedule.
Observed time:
8,24
